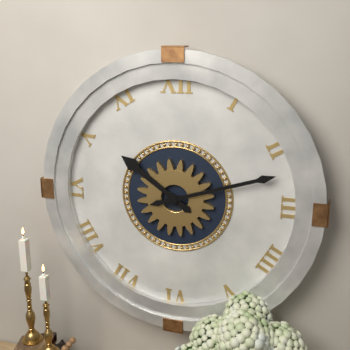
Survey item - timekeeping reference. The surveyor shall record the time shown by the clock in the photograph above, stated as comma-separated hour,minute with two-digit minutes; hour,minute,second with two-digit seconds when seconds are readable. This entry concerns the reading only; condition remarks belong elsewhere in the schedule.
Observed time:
10,12
